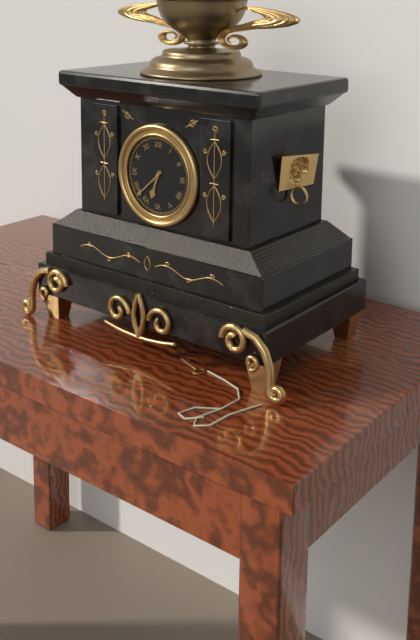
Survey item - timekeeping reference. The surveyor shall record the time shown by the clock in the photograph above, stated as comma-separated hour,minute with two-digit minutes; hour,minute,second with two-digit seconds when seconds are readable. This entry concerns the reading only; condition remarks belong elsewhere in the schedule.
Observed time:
6,38
